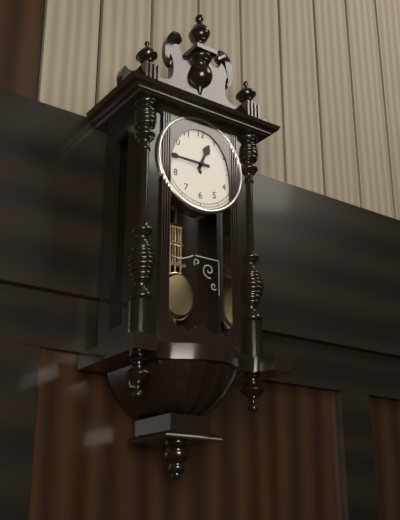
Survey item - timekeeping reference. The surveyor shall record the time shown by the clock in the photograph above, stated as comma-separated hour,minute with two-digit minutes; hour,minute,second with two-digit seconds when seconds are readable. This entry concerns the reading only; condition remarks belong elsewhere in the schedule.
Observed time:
12,45
